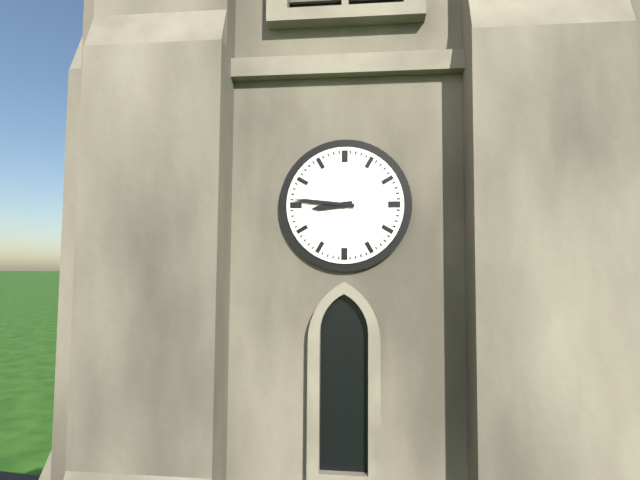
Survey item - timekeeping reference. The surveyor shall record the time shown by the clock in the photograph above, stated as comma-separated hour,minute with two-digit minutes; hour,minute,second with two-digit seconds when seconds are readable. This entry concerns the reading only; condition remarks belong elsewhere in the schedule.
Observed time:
8,46
